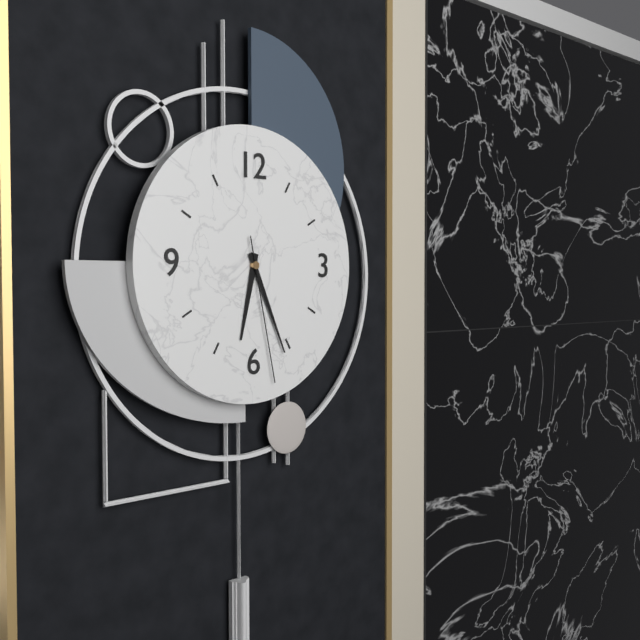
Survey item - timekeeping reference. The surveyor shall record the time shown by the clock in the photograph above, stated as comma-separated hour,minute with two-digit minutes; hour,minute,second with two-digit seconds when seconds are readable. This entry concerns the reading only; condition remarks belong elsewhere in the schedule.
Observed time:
6,26,28
